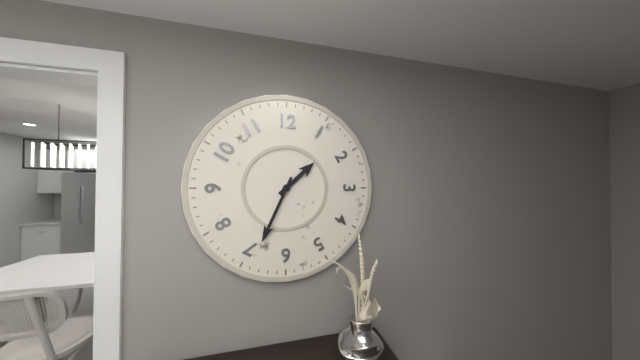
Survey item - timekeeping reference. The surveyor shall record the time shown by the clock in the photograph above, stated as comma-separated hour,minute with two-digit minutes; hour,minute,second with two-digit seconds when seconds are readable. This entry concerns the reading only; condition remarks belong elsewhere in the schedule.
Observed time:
1,34
